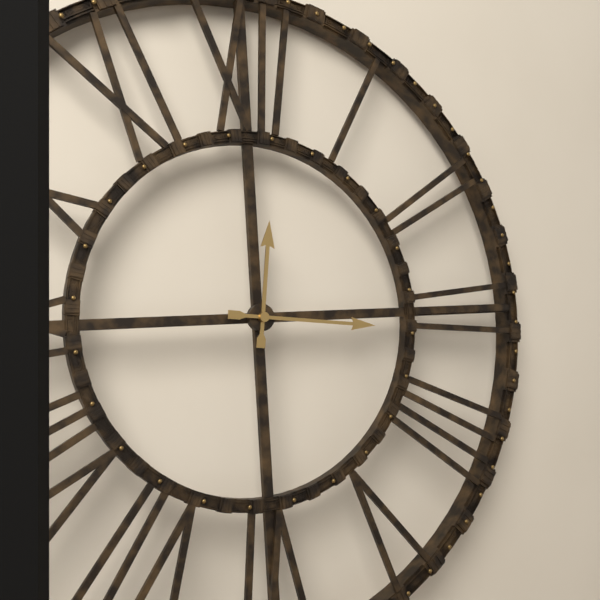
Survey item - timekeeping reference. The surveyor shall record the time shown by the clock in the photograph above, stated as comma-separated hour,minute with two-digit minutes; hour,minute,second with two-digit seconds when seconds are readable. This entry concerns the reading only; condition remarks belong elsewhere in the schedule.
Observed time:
12,16
